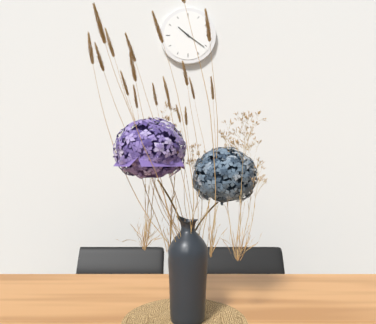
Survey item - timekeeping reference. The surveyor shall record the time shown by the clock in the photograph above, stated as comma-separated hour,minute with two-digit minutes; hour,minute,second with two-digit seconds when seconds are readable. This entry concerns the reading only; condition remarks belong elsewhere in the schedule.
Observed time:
10,21
